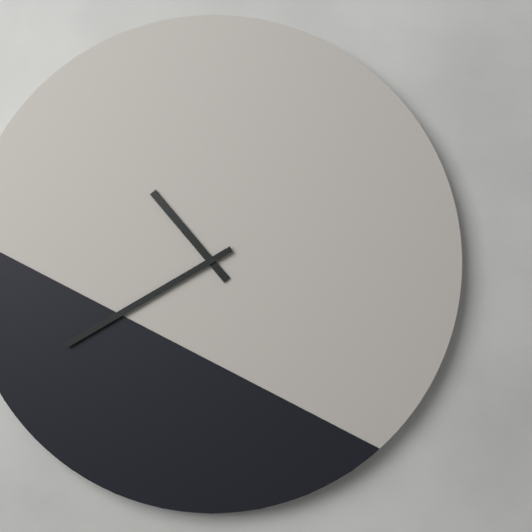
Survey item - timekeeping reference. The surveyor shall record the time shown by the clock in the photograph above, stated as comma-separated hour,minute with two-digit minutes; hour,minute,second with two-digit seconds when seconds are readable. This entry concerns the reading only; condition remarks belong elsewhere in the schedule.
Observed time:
10,40
